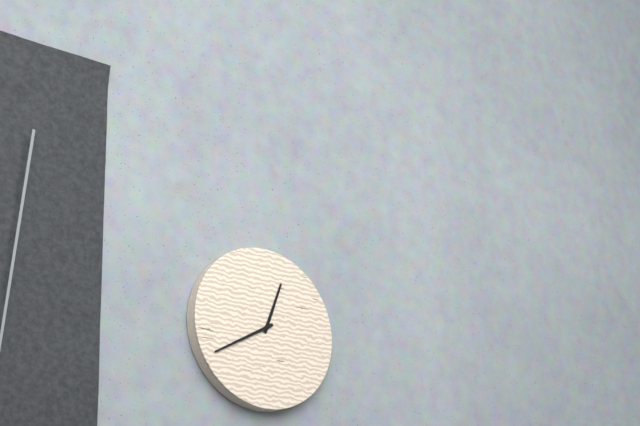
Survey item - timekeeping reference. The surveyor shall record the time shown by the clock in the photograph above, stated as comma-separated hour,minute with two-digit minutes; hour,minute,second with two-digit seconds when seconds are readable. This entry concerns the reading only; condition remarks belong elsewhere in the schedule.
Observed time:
12,40
